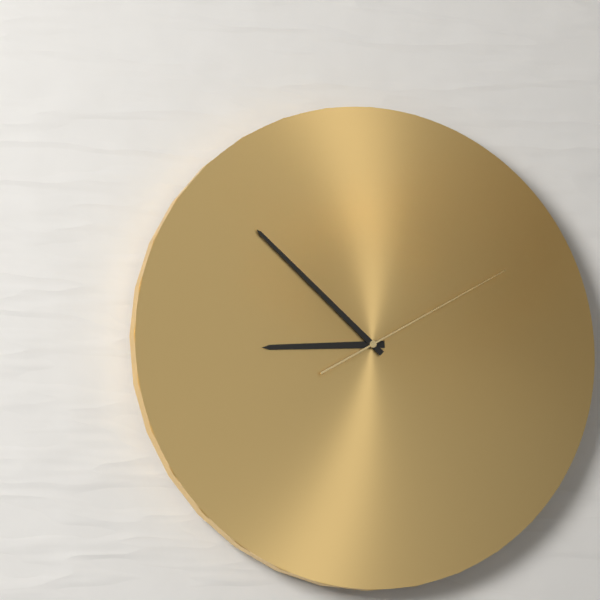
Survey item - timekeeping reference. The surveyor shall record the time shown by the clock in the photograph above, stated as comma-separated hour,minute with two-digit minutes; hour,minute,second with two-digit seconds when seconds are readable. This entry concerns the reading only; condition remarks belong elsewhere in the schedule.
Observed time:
8,52,10
